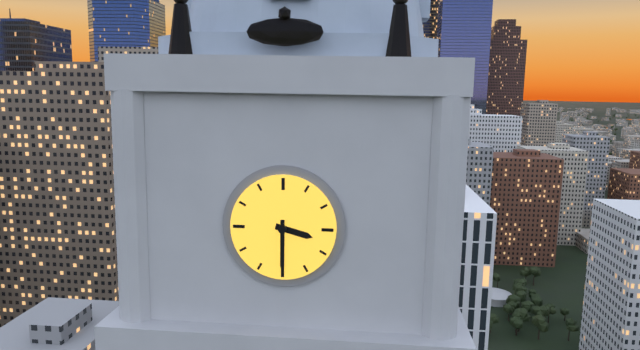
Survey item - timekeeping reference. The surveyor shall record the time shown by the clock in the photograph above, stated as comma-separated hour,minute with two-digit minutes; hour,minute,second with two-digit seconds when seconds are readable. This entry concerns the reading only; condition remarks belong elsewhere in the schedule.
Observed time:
3,30
